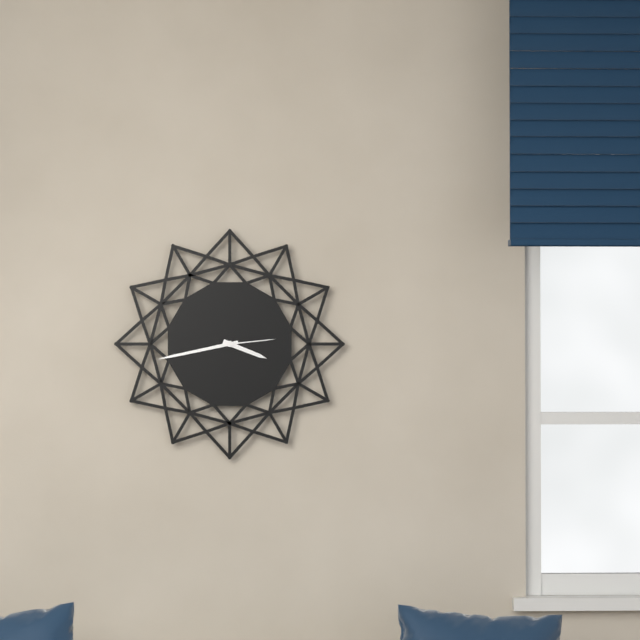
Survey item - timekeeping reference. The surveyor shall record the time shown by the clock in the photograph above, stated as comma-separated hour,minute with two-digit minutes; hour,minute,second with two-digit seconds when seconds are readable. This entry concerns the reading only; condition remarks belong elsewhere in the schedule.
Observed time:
3,43,14
